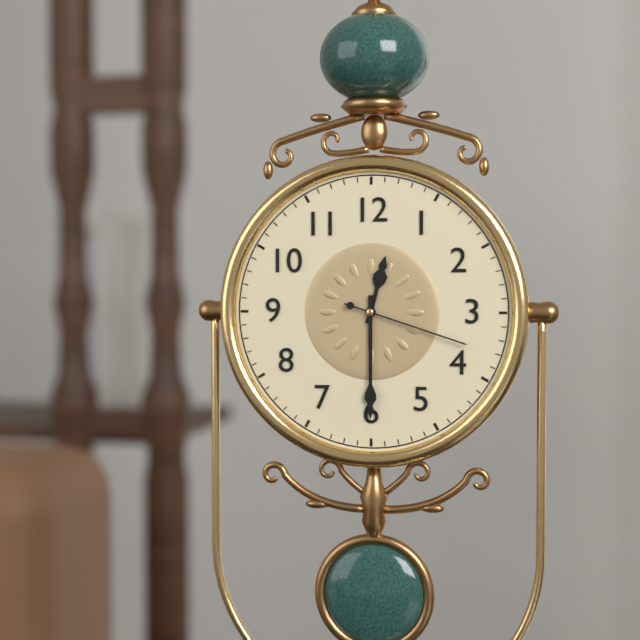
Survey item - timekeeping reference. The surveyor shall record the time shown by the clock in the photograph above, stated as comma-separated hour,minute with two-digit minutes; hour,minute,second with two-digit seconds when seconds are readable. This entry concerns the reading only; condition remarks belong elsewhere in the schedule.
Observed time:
12,30,18
